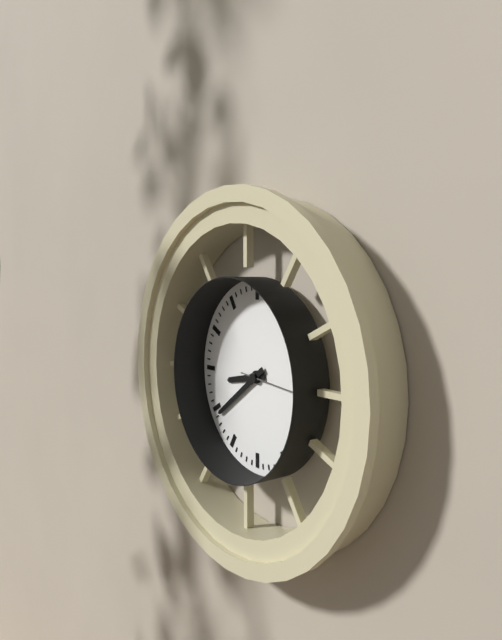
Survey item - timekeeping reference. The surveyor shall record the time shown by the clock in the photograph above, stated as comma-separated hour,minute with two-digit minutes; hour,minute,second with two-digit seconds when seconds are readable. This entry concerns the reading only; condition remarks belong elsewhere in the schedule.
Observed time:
8,39
